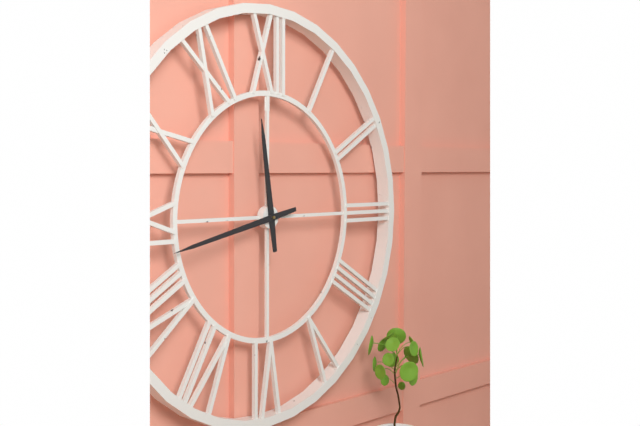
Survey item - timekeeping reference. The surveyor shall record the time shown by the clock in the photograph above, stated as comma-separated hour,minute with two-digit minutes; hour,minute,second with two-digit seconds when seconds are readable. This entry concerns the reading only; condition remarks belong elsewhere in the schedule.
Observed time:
11,43
